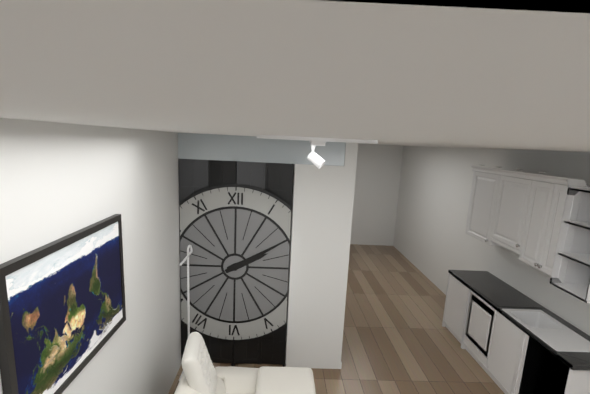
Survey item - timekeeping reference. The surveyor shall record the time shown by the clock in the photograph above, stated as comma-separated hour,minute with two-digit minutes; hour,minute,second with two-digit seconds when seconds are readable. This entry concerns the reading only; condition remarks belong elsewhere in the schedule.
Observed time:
2,10
